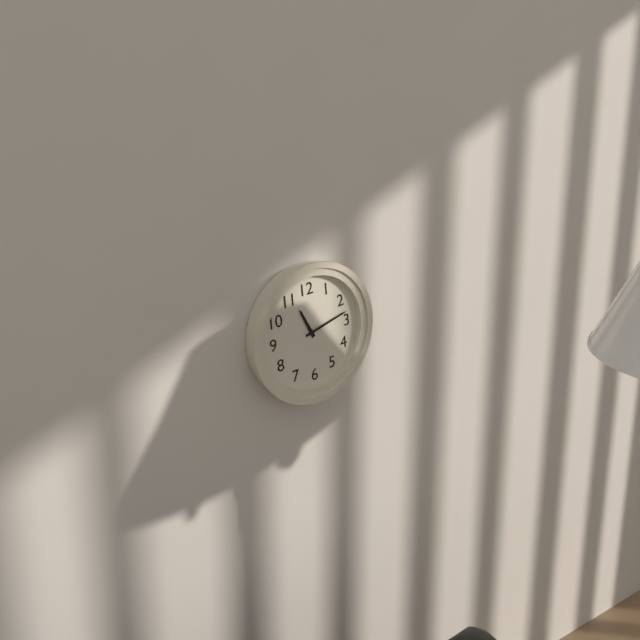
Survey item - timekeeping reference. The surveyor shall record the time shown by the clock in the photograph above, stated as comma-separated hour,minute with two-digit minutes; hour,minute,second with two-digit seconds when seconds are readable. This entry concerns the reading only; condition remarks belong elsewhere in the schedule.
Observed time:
11,13
